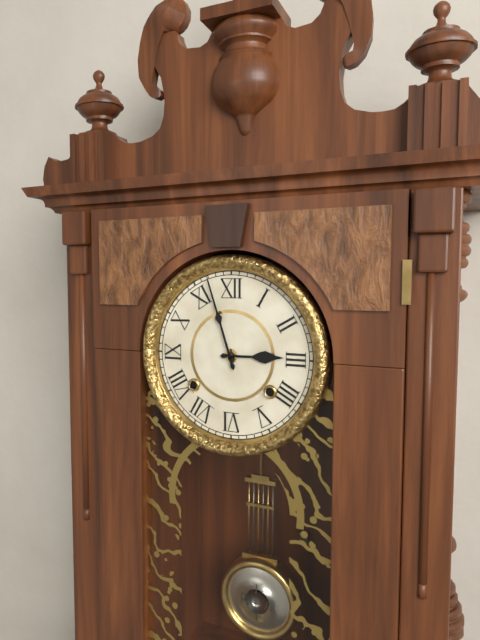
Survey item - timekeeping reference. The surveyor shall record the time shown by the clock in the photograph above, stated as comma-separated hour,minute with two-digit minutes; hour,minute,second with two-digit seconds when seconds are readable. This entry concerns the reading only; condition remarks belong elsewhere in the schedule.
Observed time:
2,57
